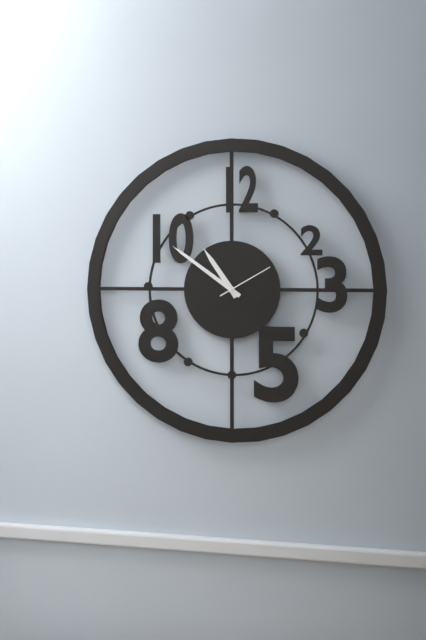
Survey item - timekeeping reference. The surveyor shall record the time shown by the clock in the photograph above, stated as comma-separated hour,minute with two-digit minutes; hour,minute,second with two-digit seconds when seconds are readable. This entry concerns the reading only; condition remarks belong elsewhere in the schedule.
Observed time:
10,51,10
